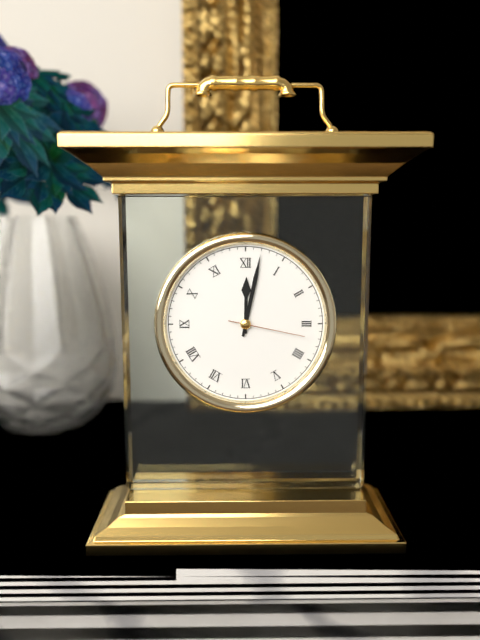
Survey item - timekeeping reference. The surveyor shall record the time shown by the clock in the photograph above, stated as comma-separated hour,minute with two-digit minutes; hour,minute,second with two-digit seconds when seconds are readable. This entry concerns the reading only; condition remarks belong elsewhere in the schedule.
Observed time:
12,02,17
